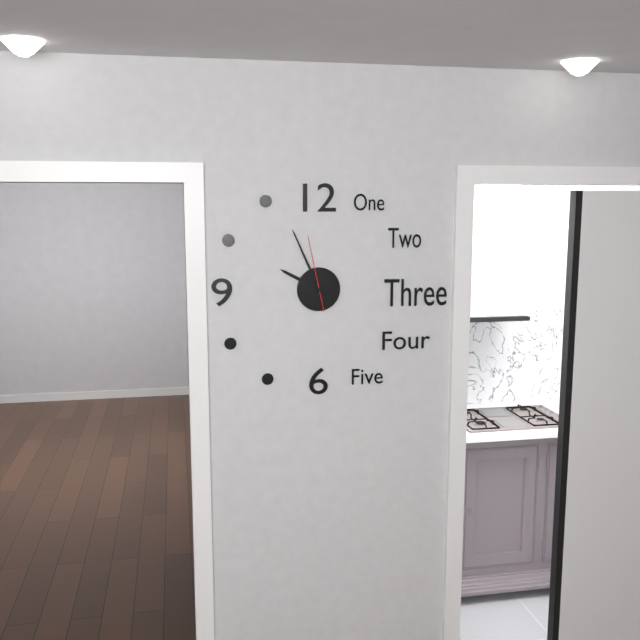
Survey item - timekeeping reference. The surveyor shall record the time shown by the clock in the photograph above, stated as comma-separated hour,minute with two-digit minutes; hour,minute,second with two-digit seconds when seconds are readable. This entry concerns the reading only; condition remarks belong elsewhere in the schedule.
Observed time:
9,56,58
